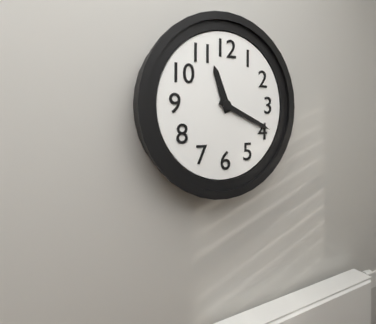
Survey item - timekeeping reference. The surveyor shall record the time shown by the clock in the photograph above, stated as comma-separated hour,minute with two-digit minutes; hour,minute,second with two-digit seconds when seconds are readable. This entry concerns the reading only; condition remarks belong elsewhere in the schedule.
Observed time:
11,19
